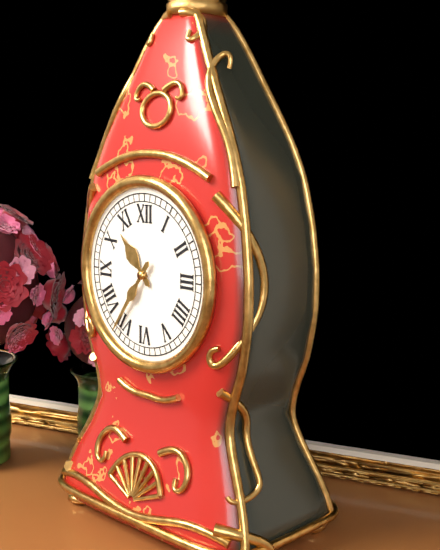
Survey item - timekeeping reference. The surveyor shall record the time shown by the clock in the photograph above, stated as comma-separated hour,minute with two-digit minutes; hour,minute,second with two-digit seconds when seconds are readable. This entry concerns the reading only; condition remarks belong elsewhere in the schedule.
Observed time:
10,36
